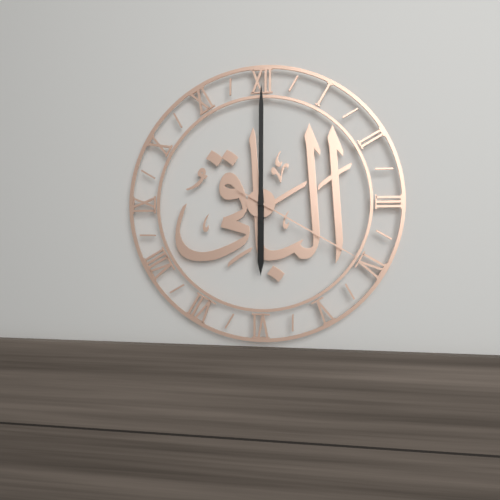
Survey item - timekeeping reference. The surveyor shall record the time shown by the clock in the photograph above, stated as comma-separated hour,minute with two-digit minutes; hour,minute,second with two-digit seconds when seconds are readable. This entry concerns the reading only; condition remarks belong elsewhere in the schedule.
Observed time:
6,00,20
